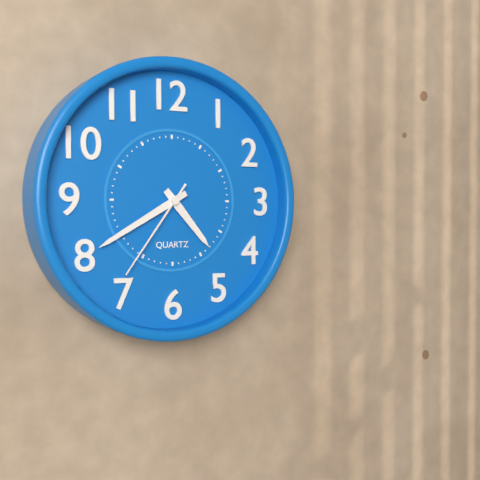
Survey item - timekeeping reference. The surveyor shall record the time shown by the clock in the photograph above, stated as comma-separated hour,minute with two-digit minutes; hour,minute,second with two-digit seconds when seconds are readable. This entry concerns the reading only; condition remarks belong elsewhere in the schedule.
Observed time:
4,40,36
